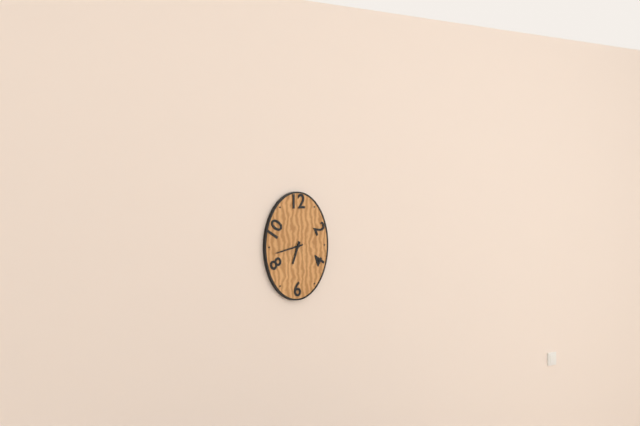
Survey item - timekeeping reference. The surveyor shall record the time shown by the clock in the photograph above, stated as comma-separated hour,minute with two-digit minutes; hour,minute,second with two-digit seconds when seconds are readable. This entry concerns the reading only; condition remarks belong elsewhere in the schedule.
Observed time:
6,43
